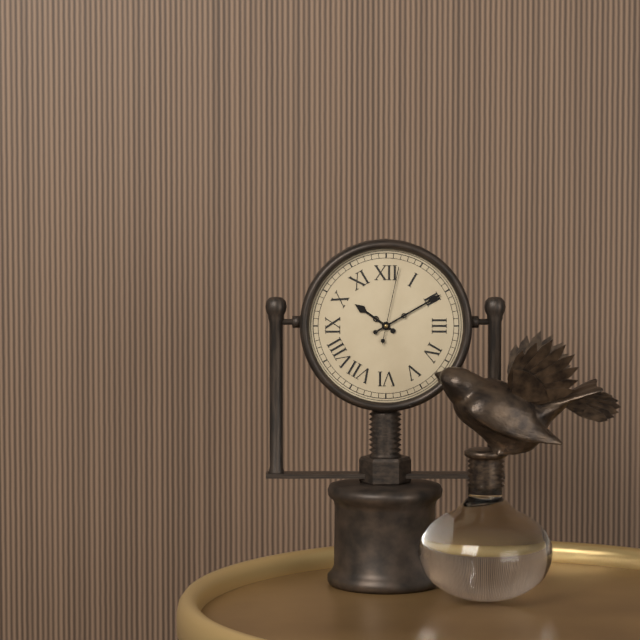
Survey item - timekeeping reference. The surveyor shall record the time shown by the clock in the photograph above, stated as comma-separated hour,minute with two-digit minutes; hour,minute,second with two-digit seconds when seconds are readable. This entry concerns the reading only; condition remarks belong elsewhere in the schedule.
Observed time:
10,10,02
